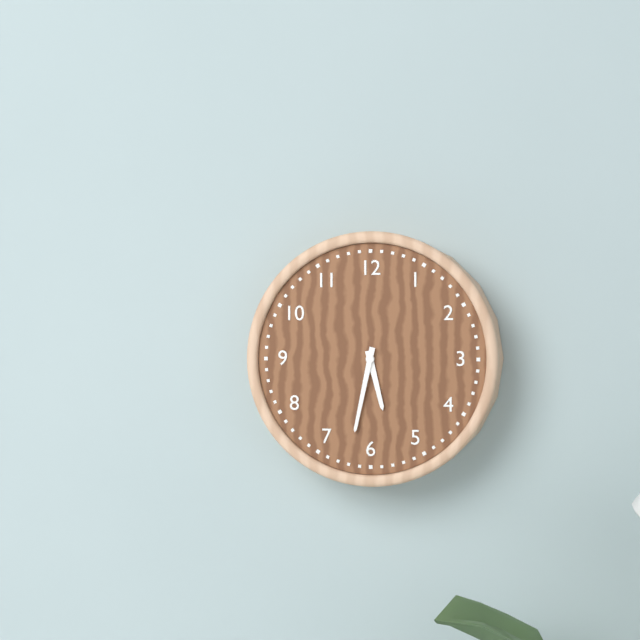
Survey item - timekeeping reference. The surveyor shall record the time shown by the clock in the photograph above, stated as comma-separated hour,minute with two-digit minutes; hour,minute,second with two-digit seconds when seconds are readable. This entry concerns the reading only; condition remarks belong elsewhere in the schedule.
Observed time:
5,32
